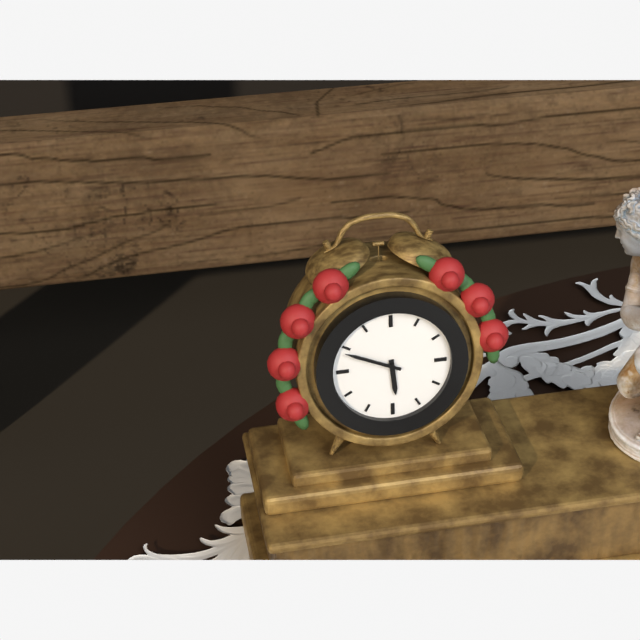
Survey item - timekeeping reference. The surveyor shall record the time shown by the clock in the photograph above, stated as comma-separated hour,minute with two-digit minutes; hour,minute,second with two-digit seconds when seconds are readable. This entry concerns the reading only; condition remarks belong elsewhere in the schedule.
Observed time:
5,49
